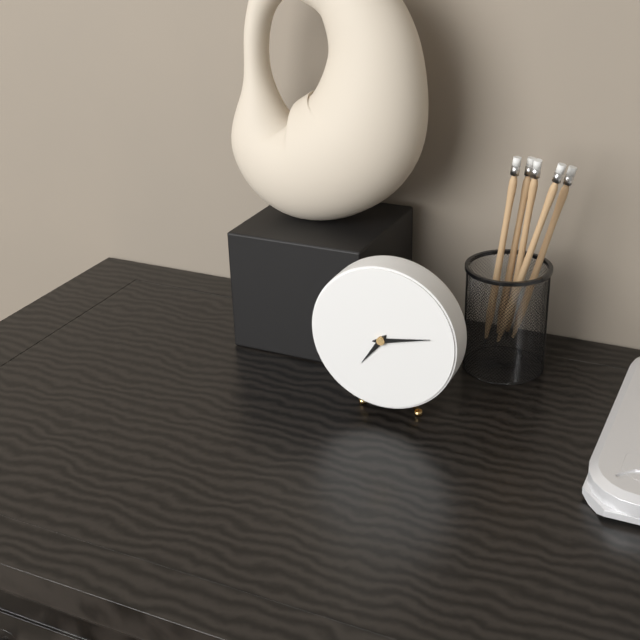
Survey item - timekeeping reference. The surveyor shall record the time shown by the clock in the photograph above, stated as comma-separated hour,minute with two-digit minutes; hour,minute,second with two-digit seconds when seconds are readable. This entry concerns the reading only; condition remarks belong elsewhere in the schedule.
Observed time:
7,13
